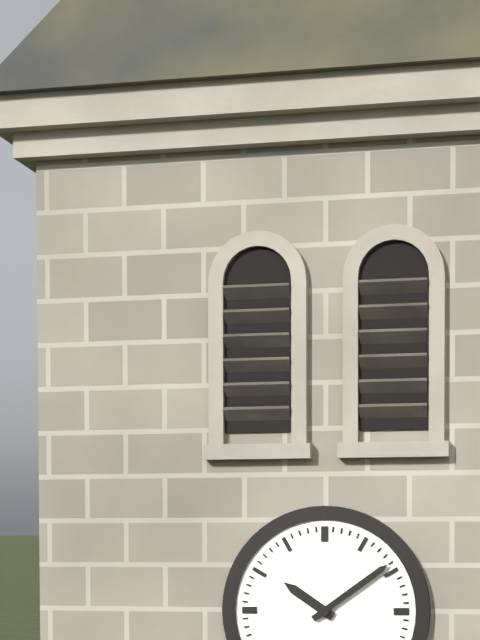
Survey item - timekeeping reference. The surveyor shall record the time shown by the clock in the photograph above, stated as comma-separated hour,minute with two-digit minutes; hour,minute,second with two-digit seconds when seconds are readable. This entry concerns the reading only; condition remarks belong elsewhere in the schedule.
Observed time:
10,09
